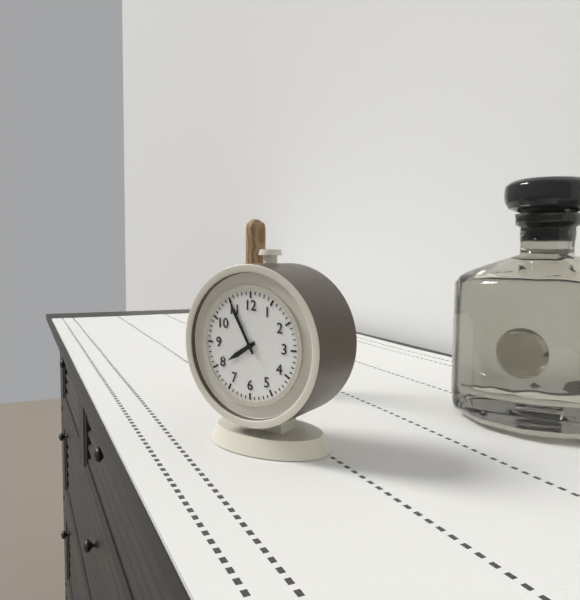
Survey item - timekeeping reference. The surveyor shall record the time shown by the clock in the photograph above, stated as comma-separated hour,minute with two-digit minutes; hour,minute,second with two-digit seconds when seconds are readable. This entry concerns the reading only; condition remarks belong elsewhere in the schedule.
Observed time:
7,55
